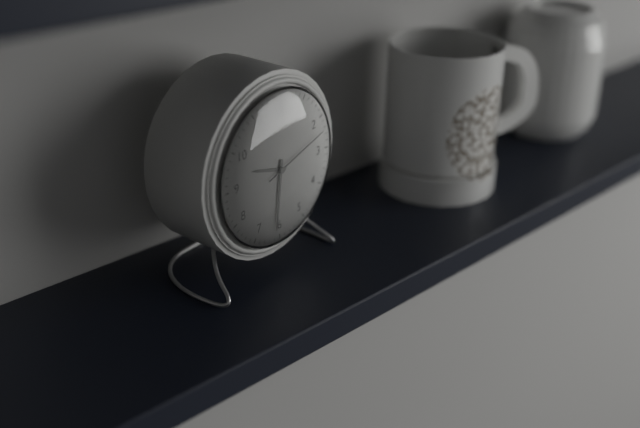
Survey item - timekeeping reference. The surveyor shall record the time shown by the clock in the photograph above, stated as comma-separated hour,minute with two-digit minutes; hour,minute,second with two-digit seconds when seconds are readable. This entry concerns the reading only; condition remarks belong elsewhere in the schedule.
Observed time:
9,31,12
